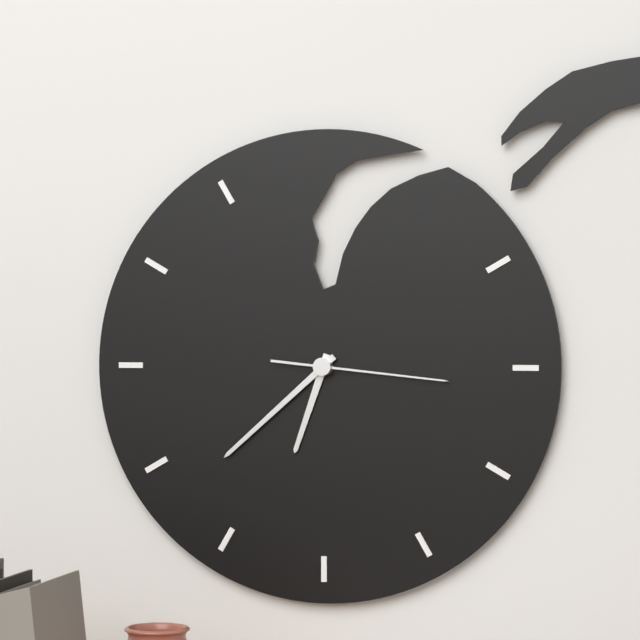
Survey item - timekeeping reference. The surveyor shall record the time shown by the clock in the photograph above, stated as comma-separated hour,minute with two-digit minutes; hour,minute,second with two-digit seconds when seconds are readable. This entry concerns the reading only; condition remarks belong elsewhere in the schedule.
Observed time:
6,38,16
